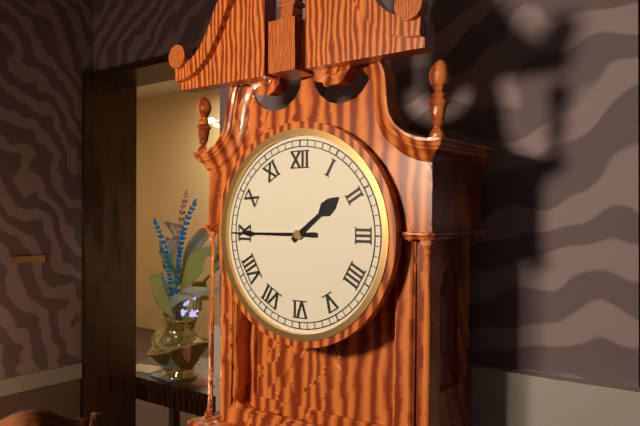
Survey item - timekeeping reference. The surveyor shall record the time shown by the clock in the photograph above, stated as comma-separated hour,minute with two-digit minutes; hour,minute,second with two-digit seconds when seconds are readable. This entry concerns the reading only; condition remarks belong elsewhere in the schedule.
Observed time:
1,45
